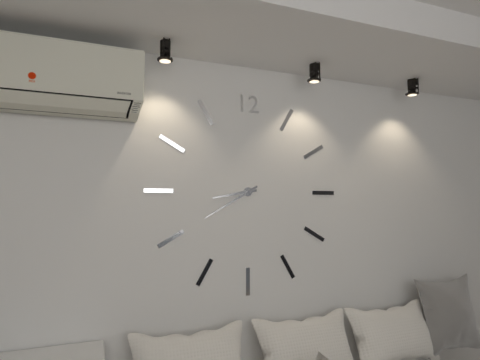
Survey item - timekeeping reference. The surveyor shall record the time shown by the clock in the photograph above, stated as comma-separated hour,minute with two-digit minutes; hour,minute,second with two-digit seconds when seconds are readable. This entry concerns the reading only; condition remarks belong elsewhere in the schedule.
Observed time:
8,40
